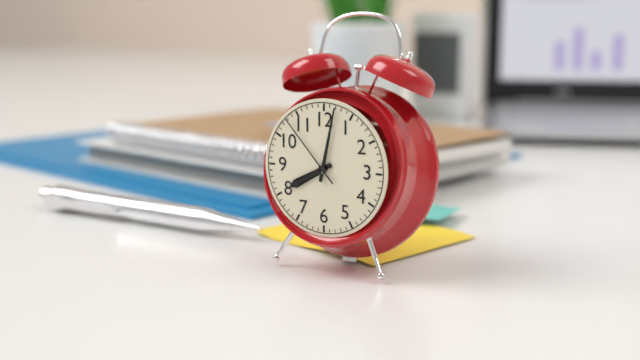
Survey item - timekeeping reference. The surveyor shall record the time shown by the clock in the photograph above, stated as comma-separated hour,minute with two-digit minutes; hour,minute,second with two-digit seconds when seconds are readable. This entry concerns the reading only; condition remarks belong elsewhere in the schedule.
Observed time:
8,02,53
